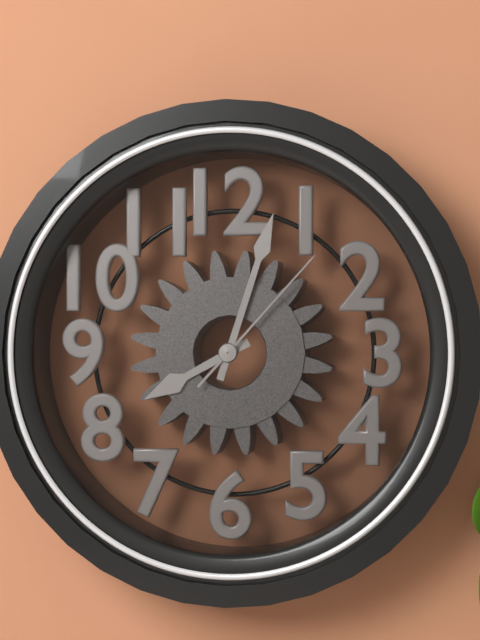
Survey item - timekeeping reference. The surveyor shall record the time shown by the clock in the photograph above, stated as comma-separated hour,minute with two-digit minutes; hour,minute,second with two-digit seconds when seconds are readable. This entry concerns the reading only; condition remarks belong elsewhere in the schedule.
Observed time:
8,03,07
